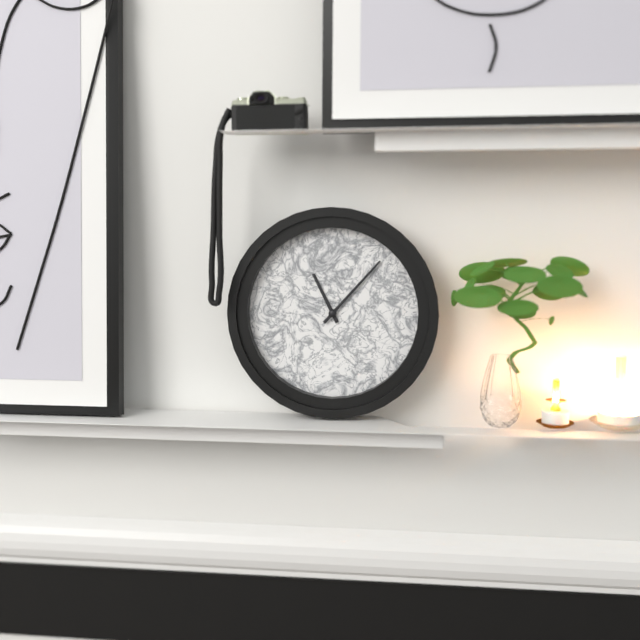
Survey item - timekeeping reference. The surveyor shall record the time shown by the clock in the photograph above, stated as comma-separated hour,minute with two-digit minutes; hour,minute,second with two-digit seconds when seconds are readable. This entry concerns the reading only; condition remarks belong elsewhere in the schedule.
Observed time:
11,07
